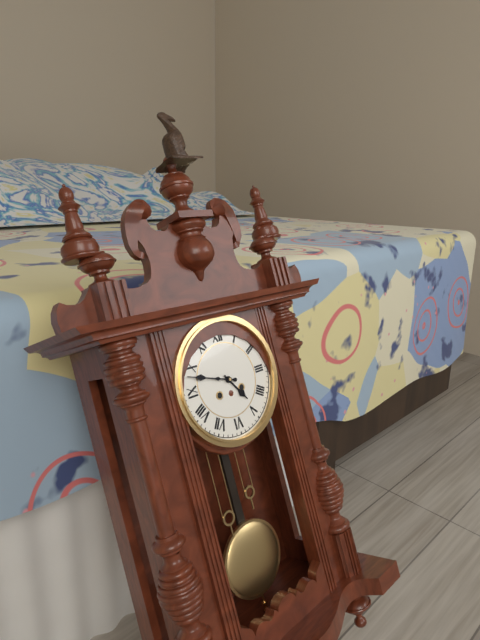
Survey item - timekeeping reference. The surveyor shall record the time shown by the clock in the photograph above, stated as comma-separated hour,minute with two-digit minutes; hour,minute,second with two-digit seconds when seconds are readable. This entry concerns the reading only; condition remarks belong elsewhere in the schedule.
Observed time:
4,48
